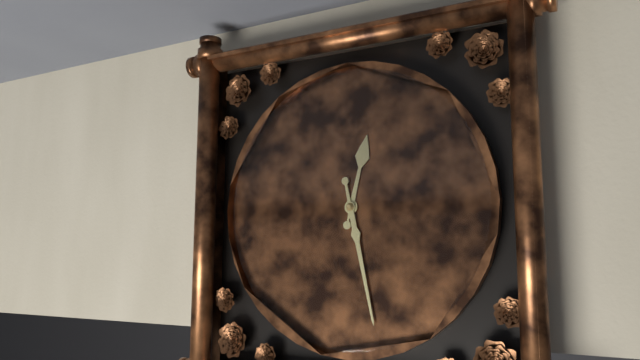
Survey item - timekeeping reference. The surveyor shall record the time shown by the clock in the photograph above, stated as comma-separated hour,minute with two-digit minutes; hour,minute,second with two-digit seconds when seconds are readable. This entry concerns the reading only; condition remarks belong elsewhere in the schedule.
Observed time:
12,28
